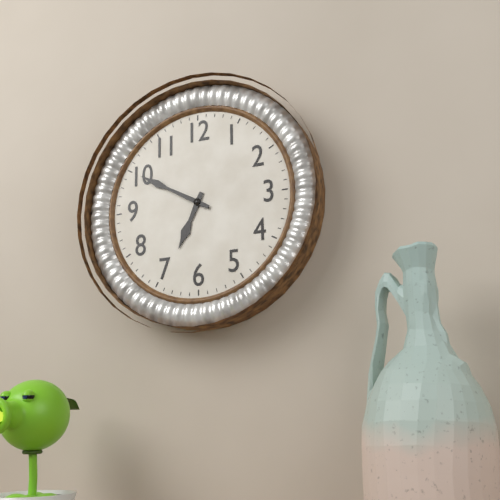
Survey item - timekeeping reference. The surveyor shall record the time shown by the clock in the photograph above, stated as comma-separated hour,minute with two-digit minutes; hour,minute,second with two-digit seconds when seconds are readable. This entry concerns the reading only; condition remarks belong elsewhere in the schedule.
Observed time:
6,50
